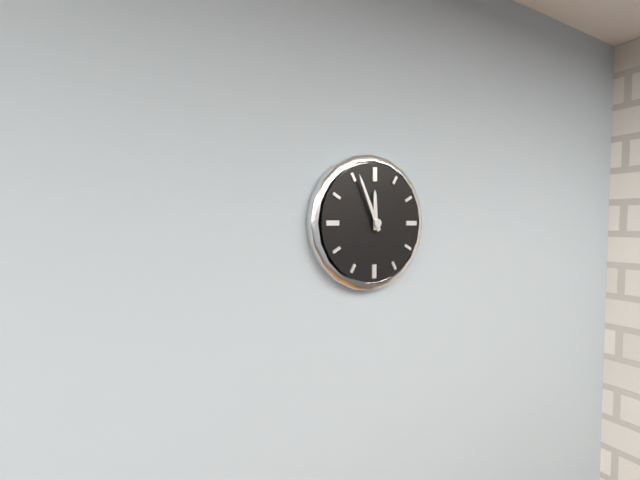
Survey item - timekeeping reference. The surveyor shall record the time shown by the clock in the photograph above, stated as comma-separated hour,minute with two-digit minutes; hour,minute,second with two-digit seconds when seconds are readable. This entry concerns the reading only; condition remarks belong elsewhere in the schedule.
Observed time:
11,56
